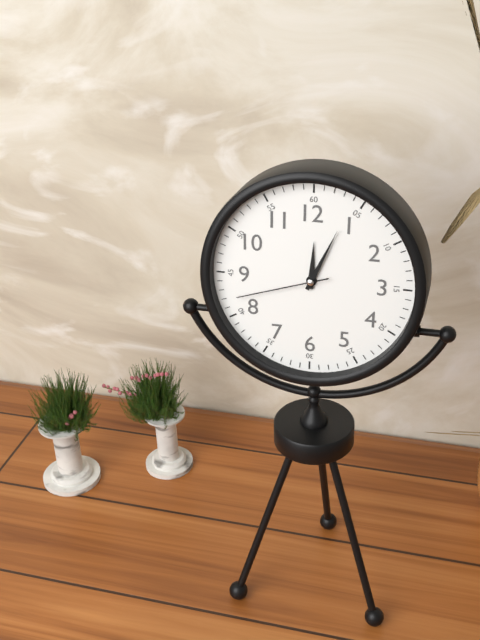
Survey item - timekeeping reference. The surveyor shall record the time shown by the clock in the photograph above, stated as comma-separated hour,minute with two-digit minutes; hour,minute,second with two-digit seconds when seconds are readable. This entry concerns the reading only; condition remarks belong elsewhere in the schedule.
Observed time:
12,04,42
